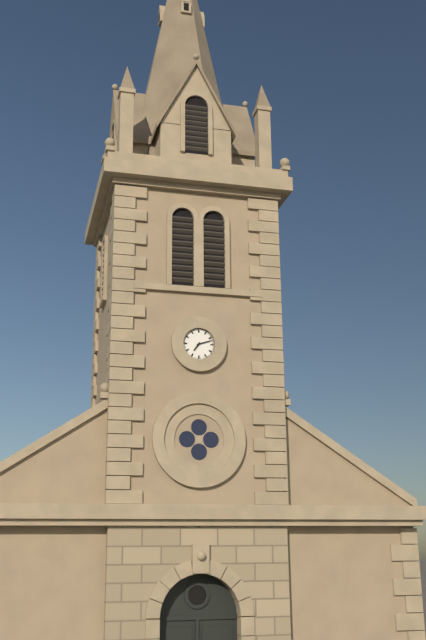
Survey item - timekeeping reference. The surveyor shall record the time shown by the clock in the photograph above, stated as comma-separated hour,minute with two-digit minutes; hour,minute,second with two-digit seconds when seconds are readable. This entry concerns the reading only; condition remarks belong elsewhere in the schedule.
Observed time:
7,12
